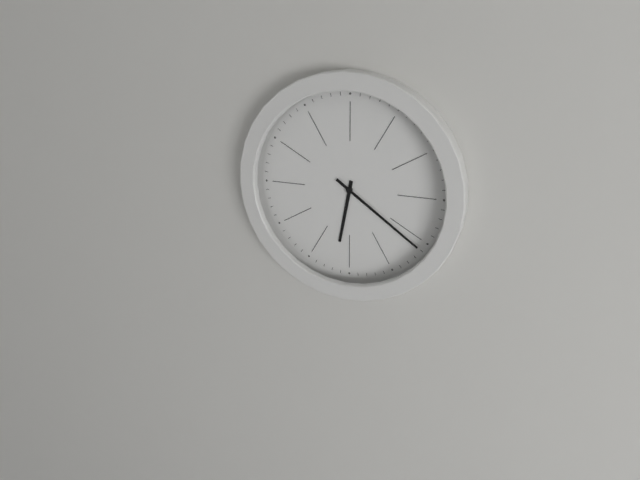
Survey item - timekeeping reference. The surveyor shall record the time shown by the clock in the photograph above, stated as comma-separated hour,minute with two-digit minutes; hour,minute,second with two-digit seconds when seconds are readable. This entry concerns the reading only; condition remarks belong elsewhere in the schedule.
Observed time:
6,21
